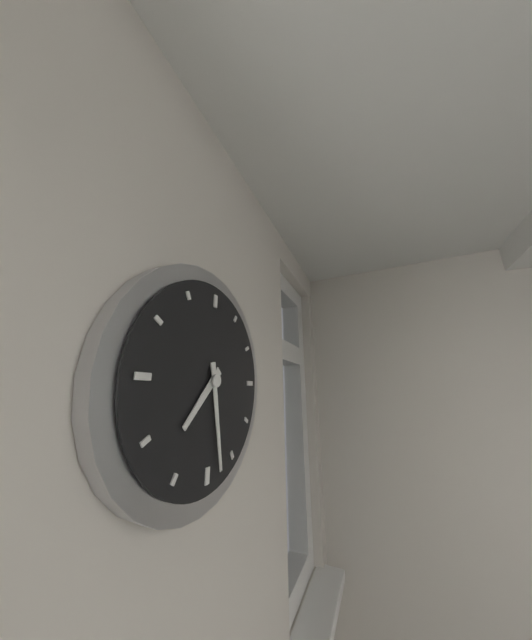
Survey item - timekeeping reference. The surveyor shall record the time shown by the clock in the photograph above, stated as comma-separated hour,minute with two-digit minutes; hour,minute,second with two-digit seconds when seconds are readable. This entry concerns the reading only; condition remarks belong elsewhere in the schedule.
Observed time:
7,28
